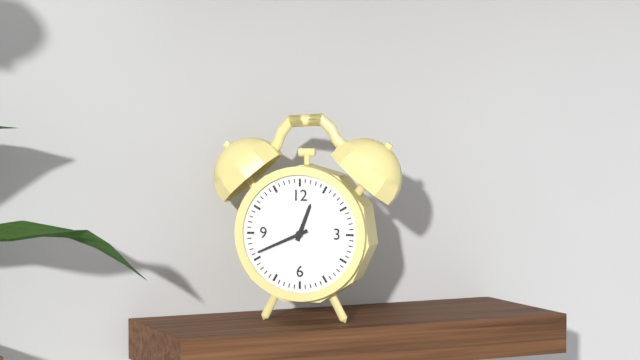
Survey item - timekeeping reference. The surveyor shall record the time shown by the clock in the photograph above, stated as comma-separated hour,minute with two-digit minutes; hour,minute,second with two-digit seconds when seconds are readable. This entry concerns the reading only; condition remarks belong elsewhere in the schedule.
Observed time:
12,41
